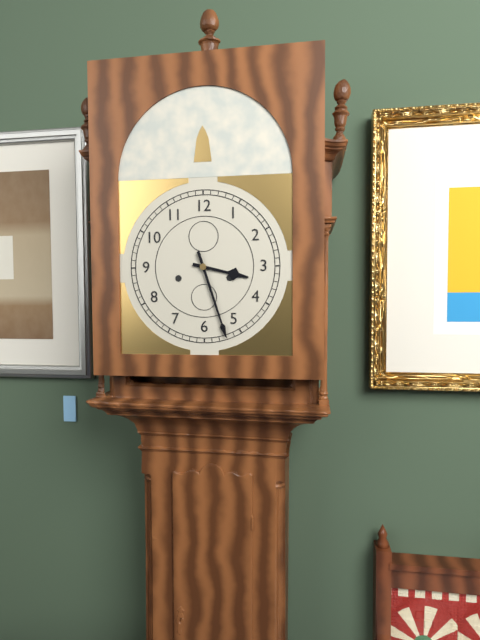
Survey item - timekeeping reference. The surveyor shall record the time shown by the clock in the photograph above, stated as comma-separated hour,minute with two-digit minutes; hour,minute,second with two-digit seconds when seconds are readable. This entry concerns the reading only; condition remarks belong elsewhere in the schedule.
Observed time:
3,27
